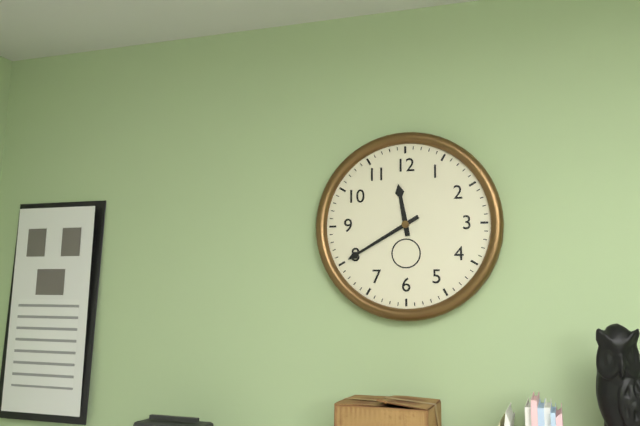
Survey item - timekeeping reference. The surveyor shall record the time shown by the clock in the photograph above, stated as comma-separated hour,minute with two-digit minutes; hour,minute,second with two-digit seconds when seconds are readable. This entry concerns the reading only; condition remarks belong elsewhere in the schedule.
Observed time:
11,40
